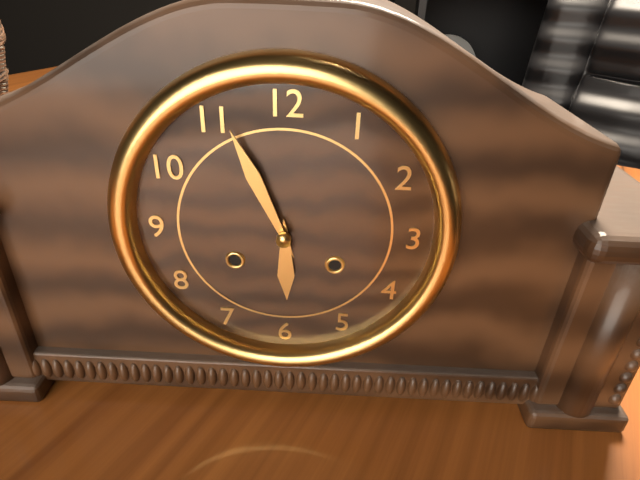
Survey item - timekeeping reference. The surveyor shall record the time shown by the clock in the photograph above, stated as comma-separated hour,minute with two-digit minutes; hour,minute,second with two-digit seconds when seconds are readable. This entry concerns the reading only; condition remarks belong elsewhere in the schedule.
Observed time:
5,56
